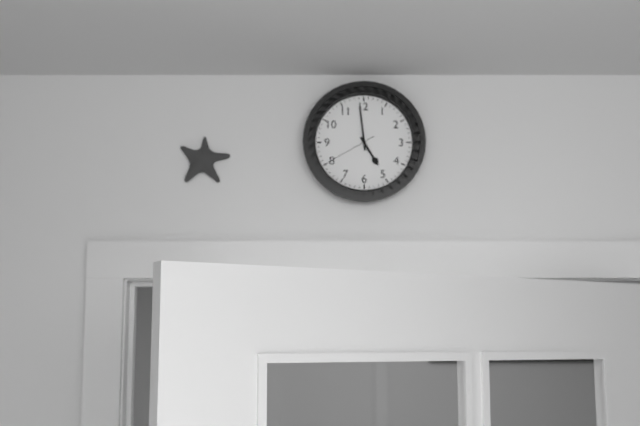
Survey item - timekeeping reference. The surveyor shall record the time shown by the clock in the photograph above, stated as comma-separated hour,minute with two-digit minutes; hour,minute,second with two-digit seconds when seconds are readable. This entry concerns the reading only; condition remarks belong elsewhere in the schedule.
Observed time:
4,59,40
